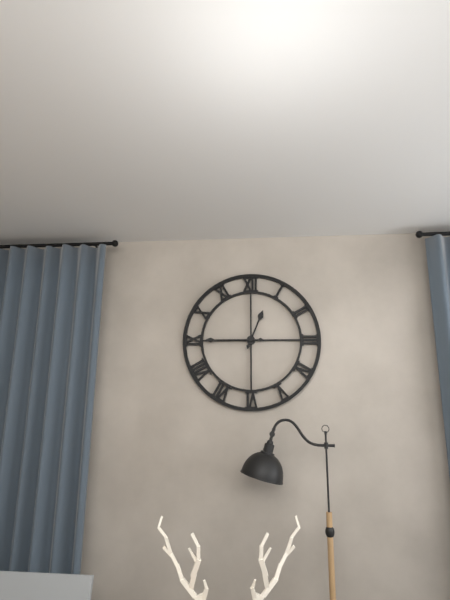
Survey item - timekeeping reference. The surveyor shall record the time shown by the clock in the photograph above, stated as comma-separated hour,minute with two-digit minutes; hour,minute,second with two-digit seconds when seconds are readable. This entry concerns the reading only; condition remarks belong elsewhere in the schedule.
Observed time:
12,45
